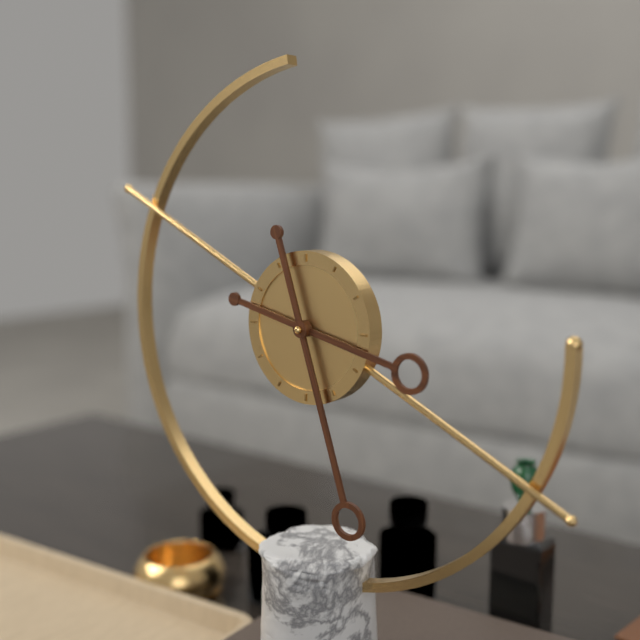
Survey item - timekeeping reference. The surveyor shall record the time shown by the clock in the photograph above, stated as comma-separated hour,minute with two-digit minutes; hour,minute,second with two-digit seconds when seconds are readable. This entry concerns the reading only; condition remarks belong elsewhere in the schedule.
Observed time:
3,27
